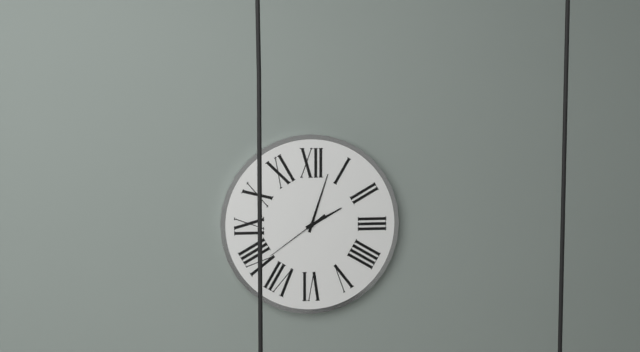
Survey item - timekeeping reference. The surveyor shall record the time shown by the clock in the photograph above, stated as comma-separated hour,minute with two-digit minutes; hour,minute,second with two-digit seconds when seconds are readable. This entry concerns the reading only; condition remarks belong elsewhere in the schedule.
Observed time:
2,03,39
